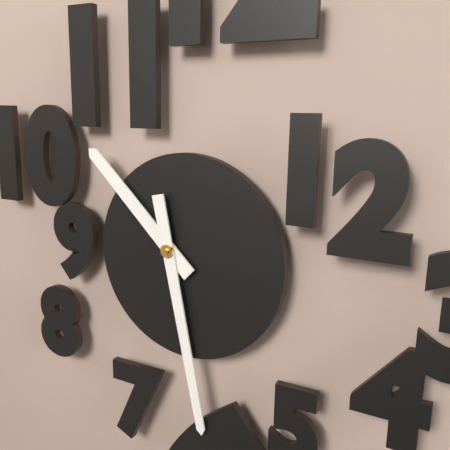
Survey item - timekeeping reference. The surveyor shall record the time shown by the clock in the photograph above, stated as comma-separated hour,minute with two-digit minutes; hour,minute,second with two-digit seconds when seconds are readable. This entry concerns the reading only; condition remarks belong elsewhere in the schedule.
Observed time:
10,28
